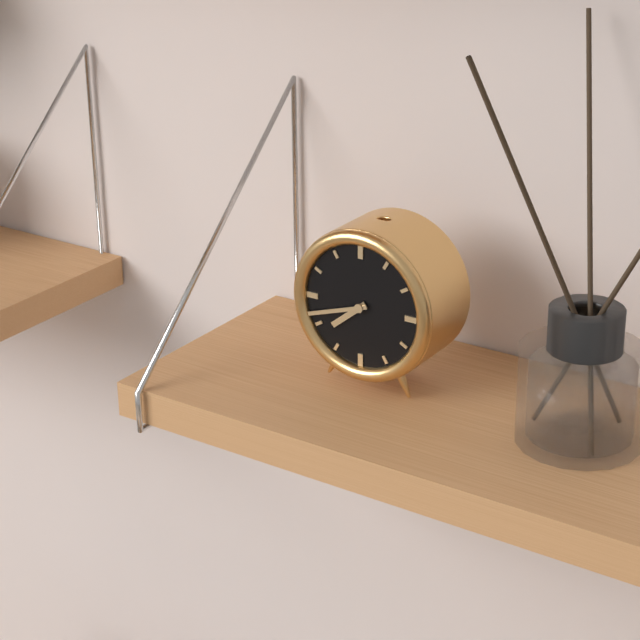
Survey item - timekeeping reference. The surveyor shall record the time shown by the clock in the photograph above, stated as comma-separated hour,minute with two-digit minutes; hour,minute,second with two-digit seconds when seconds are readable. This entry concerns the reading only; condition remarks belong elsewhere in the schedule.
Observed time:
7,42
